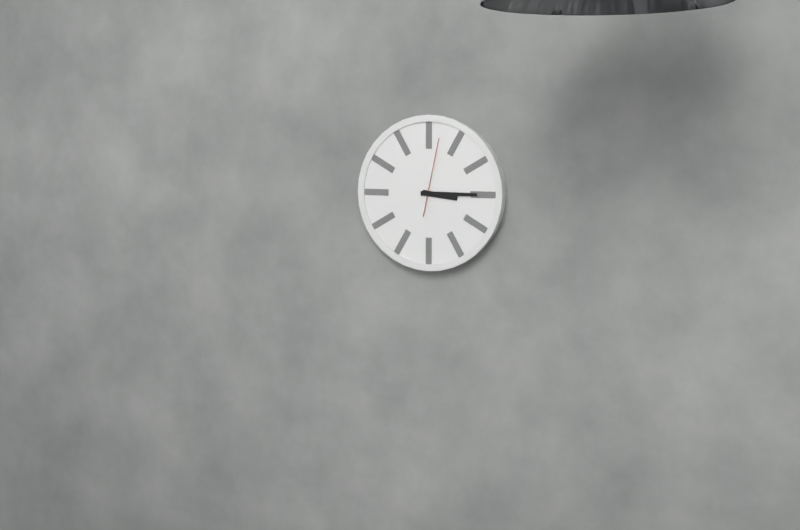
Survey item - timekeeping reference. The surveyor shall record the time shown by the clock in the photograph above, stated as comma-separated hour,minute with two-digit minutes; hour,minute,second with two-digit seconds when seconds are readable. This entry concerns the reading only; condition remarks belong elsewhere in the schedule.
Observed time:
3,15,02
